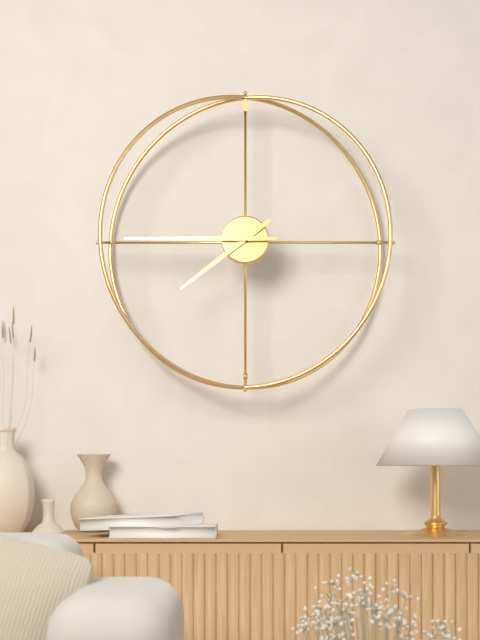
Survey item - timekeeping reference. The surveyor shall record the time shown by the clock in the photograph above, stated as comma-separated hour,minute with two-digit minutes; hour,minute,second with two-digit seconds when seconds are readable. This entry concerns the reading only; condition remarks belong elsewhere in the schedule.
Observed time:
7,45
